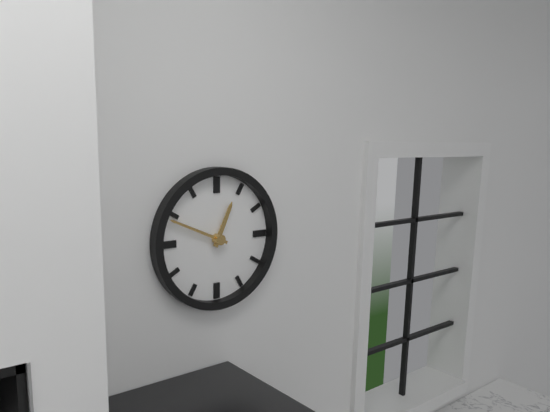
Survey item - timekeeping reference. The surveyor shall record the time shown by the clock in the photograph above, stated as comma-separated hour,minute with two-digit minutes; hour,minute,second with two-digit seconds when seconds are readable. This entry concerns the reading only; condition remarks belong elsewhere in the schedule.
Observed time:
12,49
